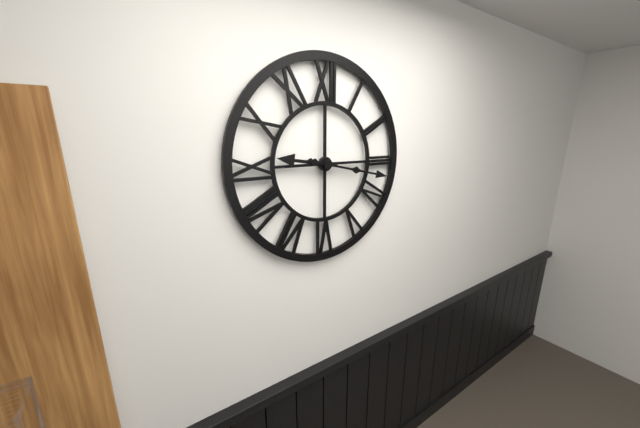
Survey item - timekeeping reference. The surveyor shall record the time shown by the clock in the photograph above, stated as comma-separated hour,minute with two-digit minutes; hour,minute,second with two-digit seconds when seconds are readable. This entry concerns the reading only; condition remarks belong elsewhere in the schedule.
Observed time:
9,17
